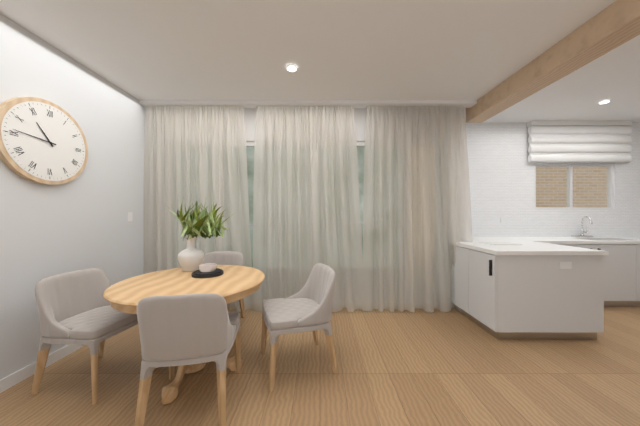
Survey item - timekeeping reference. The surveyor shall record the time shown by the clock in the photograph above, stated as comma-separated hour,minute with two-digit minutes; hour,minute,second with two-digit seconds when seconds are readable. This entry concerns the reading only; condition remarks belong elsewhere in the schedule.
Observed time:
10,46
